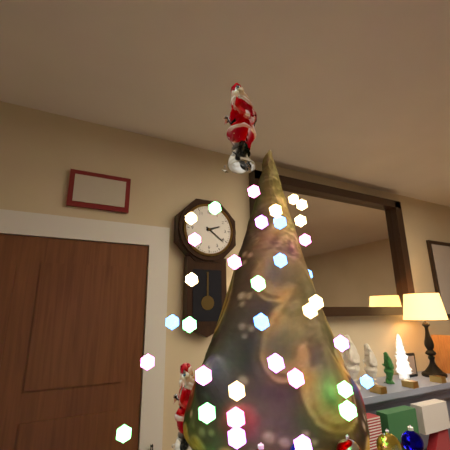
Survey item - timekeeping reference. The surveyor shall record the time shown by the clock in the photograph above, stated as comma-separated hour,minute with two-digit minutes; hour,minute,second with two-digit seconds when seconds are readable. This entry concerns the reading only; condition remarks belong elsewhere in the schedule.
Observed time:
2,21
